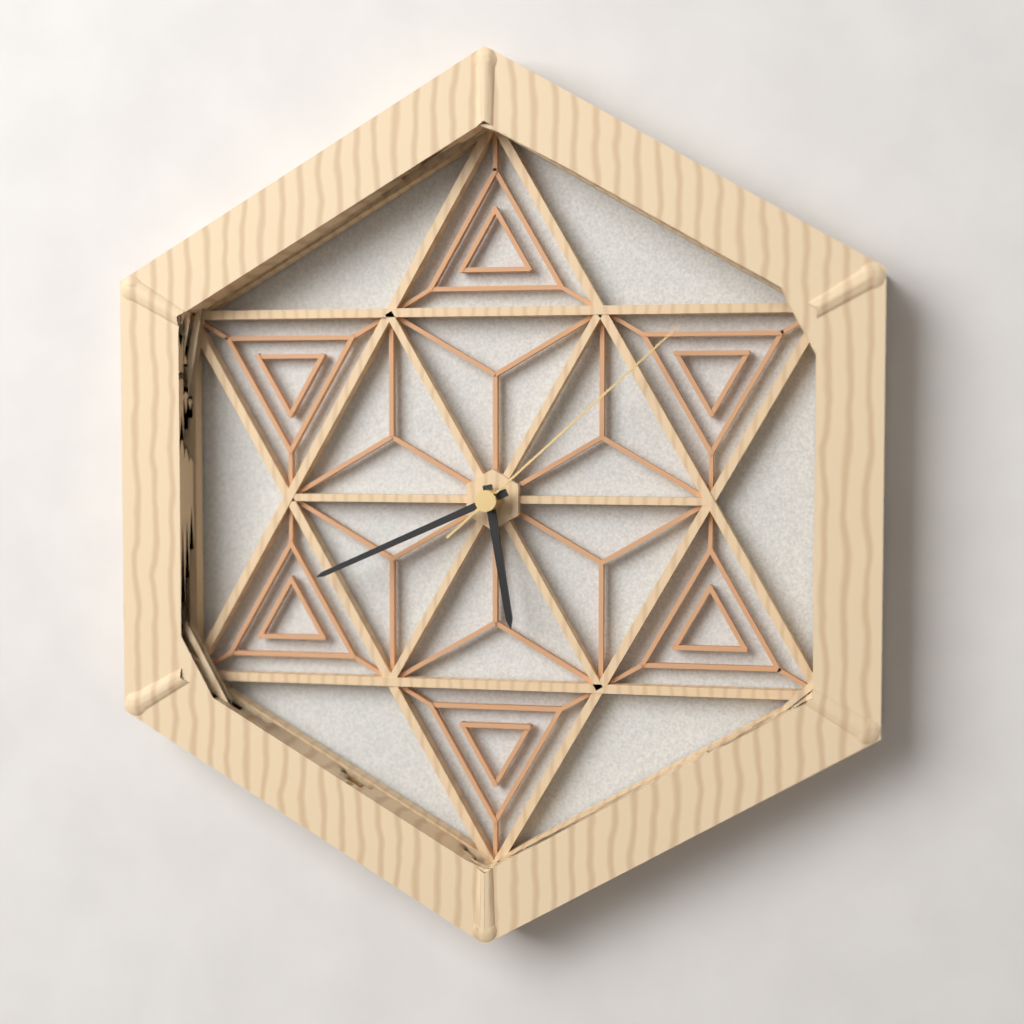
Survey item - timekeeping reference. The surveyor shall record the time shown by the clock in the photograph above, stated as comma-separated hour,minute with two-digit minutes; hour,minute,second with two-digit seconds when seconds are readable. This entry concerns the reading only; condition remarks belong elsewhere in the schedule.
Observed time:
5,41,08
